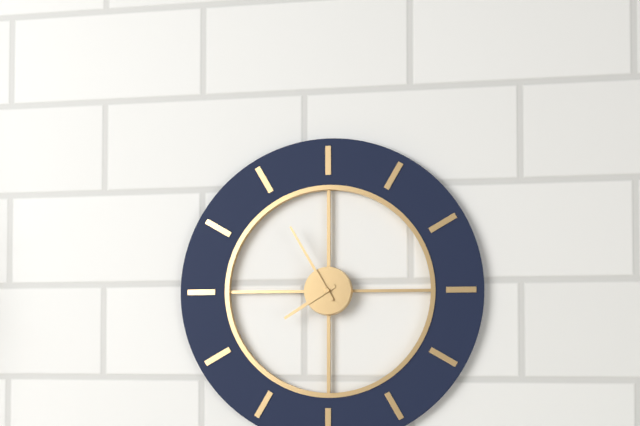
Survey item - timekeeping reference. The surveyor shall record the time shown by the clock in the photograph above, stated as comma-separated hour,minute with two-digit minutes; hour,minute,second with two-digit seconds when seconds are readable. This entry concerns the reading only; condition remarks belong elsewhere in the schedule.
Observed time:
7,55
